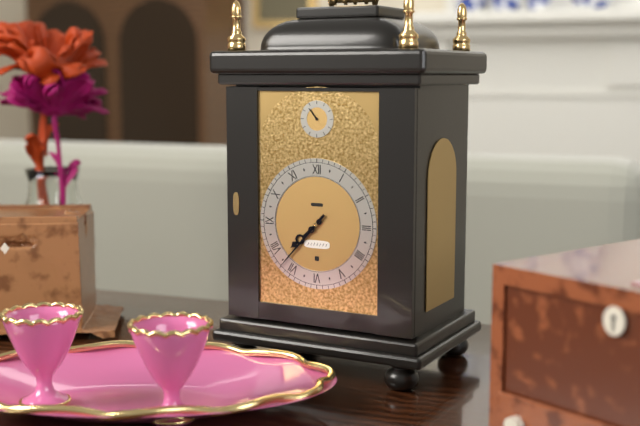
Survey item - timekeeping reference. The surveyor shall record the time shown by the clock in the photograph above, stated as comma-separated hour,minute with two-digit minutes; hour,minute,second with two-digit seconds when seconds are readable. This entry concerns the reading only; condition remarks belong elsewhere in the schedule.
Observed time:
7,37
